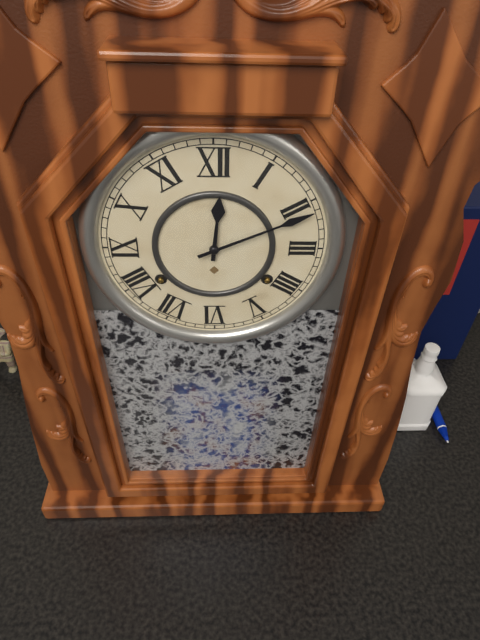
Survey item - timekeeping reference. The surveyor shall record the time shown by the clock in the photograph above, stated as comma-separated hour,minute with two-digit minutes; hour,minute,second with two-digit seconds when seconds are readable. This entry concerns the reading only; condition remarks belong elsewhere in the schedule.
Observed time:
12,11
